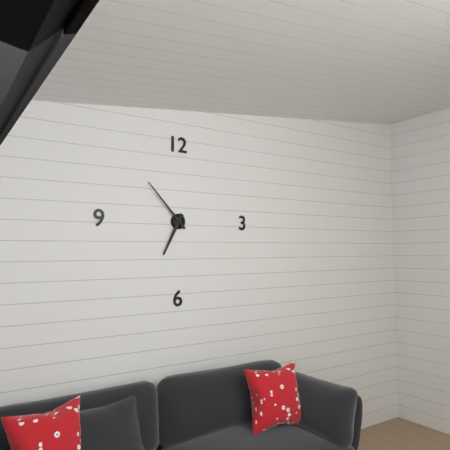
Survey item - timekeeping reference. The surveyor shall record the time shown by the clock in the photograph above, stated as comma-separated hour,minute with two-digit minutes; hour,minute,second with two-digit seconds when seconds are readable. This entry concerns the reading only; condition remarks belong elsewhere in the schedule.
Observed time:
6,53
